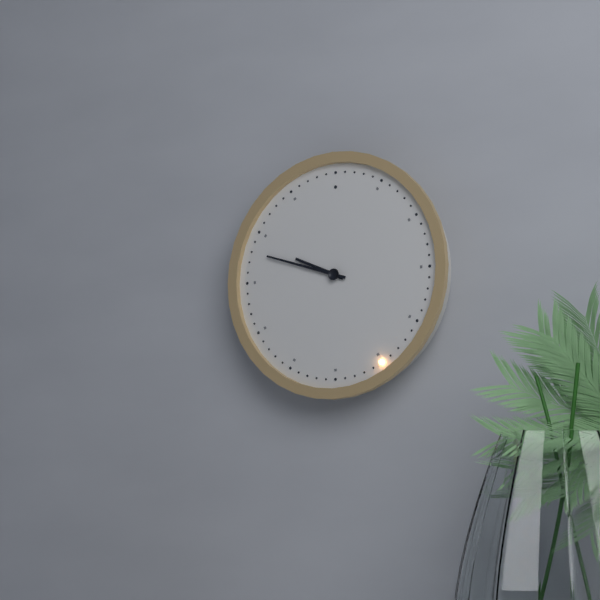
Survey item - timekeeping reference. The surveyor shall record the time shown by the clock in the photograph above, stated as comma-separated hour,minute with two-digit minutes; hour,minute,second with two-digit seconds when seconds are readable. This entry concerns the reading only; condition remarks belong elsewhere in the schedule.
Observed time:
9,48
